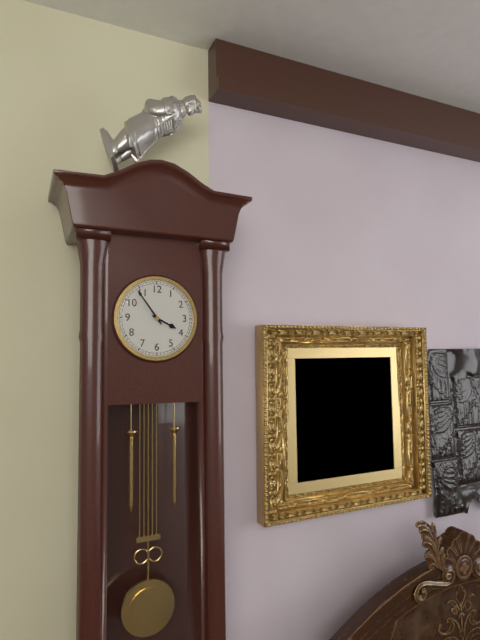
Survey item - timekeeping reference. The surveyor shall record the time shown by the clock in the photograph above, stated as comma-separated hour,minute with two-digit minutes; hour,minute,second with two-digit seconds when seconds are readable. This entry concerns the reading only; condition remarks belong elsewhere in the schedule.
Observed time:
3,54
